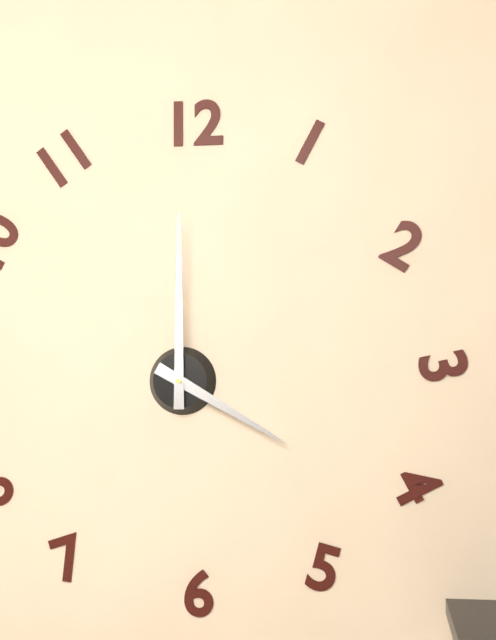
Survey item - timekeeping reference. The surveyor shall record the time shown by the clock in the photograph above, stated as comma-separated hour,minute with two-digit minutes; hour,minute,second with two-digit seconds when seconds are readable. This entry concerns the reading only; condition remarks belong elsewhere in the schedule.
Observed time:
4,00
